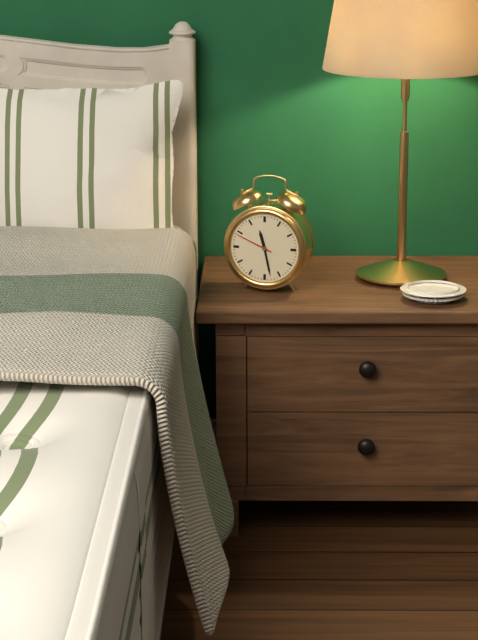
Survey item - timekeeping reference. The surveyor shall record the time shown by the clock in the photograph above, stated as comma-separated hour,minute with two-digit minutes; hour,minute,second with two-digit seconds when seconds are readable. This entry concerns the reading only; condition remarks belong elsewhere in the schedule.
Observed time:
11,28
